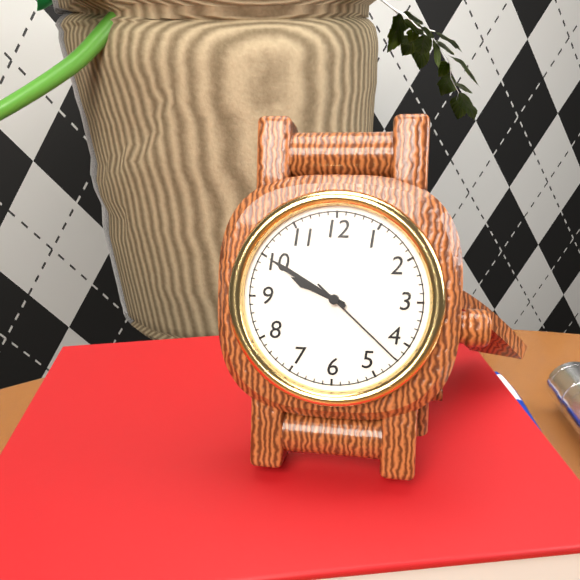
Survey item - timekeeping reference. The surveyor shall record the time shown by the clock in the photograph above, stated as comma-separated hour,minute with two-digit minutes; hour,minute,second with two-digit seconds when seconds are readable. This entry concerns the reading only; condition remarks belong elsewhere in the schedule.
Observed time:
9,50,22
